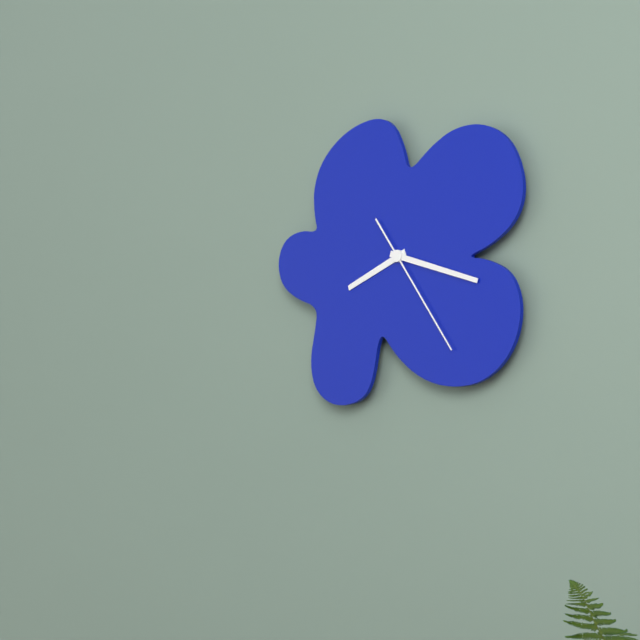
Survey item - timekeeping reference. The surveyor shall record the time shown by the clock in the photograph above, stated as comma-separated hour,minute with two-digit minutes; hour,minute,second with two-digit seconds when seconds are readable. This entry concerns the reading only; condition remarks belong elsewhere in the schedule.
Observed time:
8,18,24
